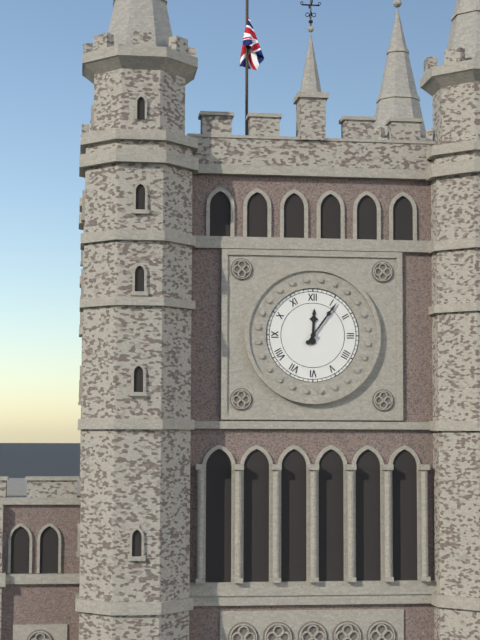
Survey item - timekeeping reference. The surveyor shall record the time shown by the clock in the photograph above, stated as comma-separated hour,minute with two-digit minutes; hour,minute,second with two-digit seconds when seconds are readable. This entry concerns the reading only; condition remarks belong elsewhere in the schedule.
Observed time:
12,06
